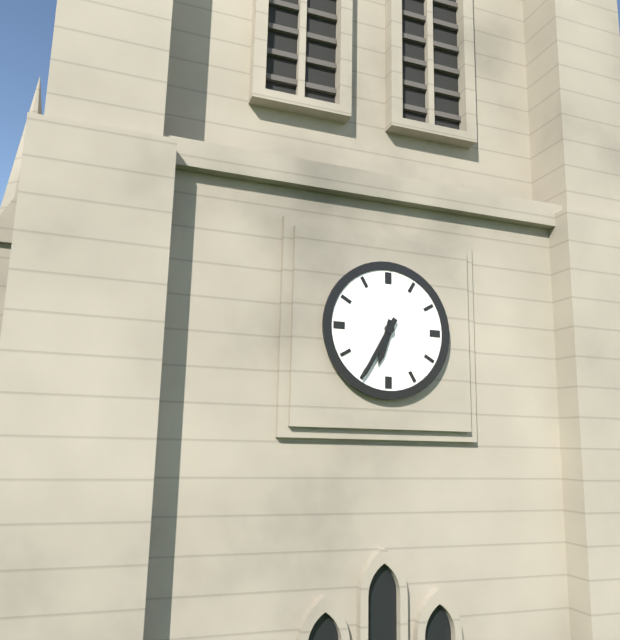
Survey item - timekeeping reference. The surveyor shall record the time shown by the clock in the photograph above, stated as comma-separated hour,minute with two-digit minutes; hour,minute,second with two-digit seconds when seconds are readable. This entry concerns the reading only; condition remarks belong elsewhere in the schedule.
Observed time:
6,35
